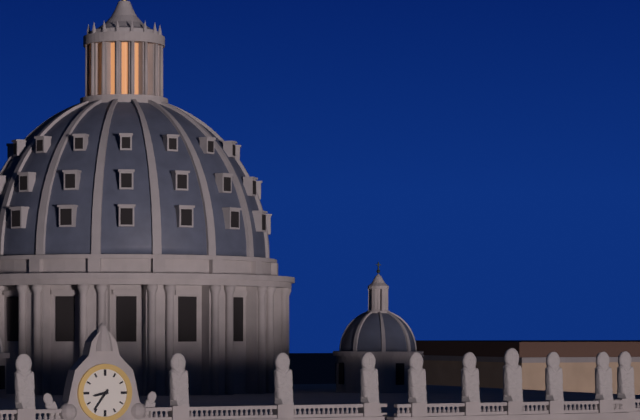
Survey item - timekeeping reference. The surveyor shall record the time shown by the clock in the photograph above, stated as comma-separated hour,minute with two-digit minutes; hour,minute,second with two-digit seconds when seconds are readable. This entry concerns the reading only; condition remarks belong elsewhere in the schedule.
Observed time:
8,36
